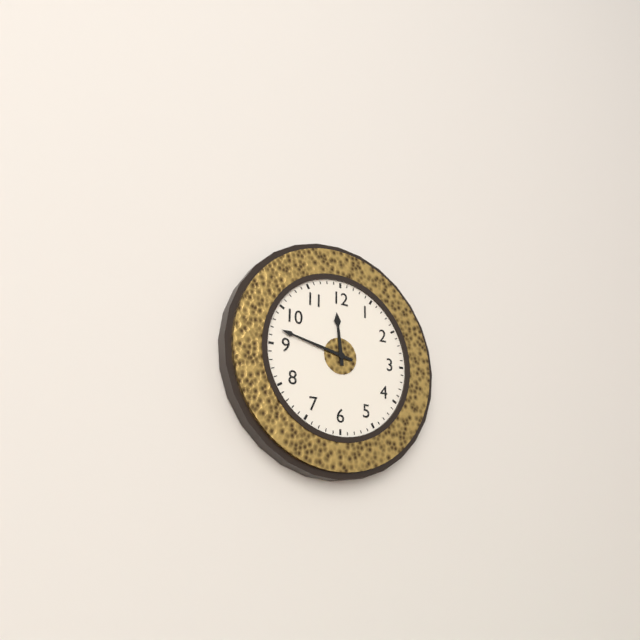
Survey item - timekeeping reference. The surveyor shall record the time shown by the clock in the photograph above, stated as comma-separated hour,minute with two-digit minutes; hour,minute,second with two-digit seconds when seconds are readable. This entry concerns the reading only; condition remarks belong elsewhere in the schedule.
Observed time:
11,47
